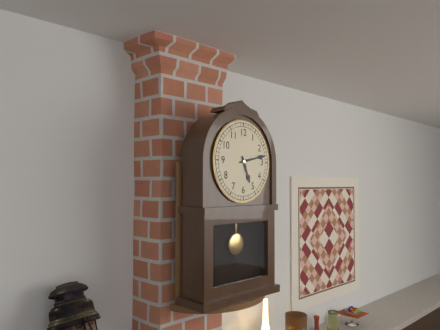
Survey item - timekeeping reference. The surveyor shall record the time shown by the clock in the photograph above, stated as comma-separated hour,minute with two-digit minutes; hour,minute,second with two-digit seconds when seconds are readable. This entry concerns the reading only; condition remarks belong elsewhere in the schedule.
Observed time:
5,13
